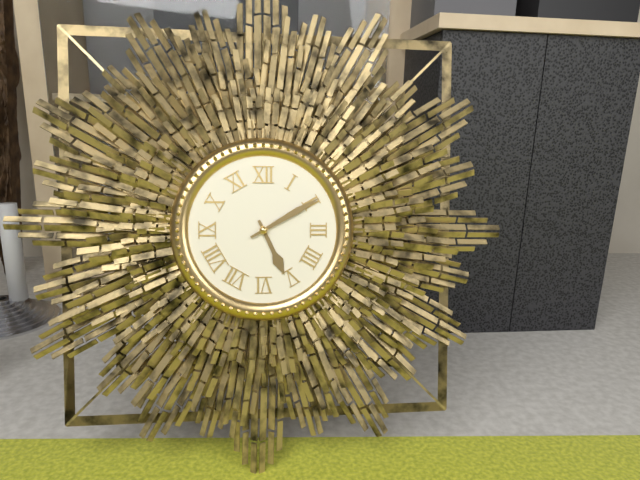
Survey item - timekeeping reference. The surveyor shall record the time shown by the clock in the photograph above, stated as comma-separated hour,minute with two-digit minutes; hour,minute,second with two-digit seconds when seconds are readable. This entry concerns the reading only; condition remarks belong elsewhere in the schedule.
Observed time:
5,10
